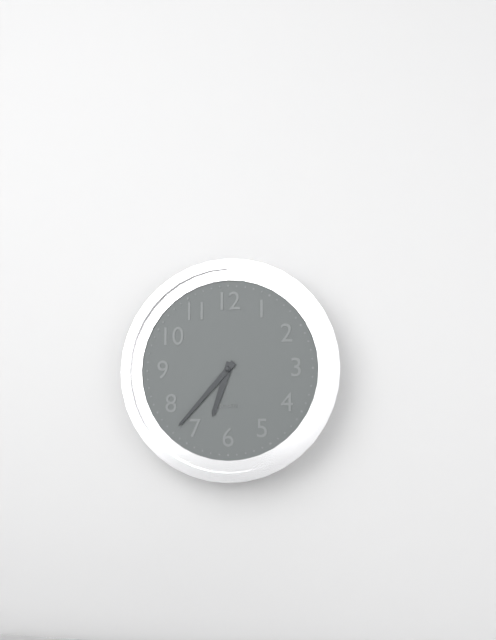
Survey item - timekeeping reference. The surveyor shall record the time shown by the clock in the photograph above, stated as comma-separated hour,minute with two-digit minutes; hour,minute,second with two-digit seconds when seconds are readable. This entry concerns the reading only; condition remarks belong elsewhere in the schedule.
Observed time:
6,37
